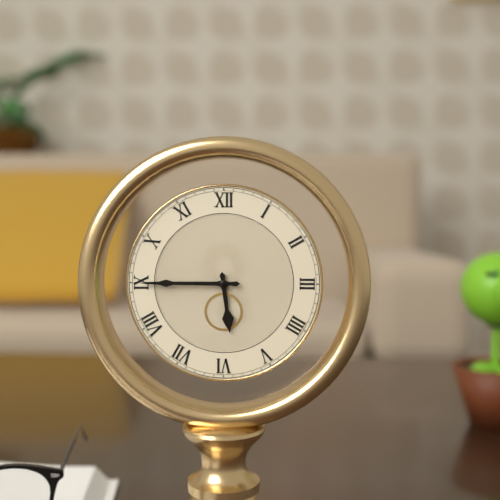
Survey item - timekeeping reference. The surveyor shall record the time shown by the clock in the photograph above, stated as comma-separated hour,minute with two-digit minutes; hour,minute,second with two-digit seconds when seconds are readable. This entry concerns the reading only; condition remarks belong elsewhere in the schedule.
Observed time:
5,45
